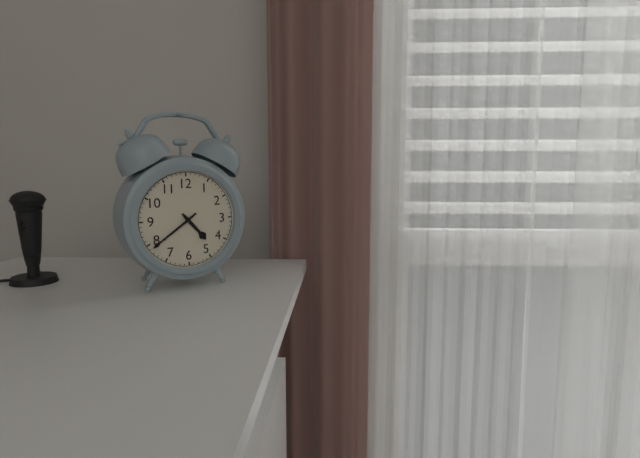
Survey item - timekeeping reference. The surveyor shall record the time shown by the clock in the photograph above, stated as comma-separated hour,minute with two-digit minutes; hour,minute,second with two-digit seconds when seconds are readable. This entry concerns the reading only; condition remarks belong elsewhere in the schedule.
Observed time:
4,39
